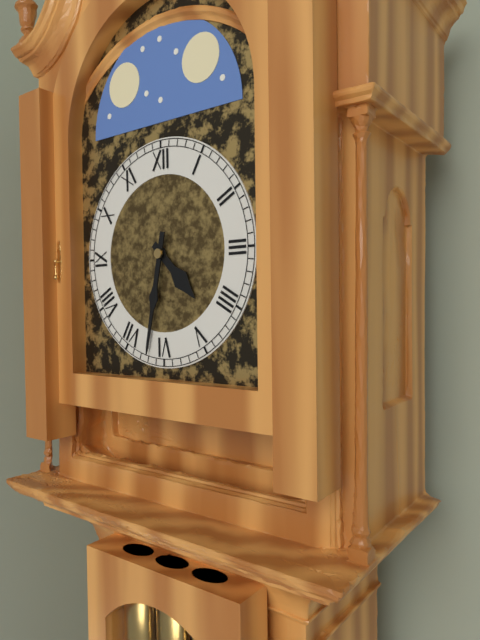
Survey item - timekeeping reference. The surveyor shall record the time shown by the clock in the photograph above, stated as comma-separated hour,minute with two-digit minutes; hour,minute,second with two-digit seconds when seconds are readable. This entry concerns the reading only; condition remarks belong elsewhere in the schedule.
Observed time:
4,32
